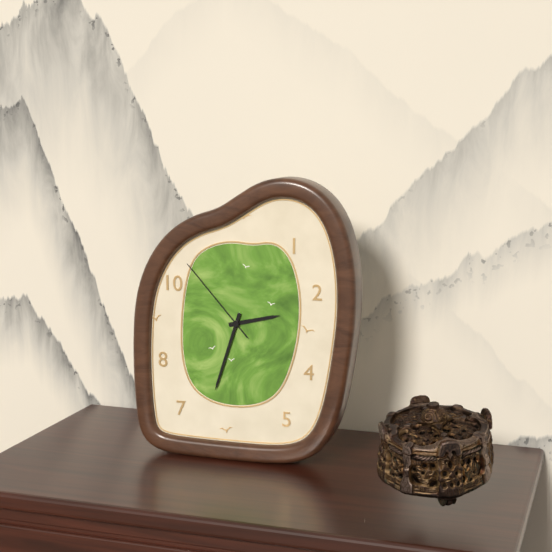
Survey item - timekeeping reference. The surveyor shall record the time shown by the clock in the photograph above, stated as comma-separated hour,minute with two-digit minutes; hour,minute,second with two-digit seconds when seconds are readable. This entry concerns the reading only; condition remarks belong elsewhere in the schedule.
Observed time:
2,33,53
